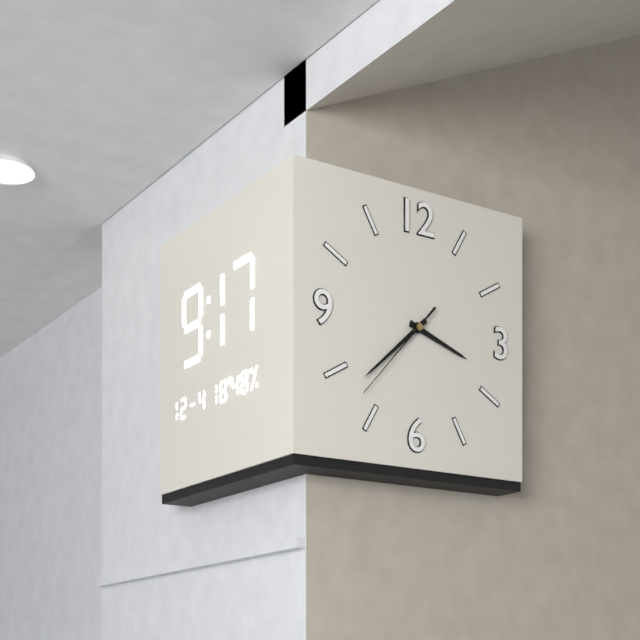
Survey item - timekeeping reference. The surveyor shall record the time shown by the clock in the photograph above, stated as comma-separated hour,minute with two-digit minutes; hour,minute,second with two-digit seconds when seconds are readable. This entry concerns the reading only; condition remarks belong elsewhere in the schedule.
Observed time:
3,38,37
